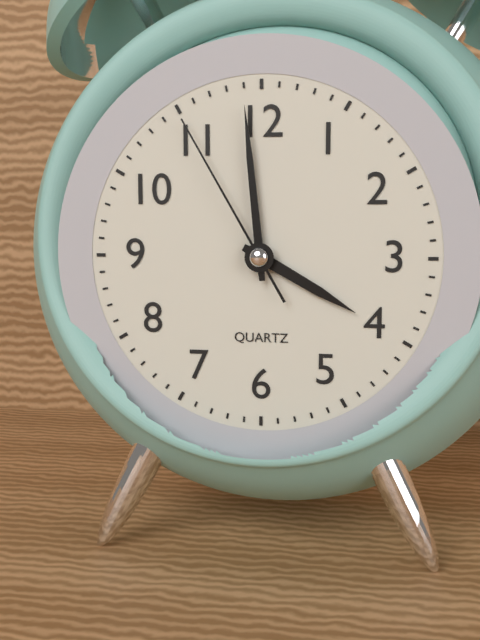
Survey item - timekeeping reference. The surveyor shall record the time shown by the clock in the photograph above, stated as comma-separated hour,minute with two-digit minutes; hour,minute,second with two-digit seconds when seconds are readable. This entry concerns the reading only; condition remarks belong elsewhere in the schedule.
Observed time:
3,59,55
